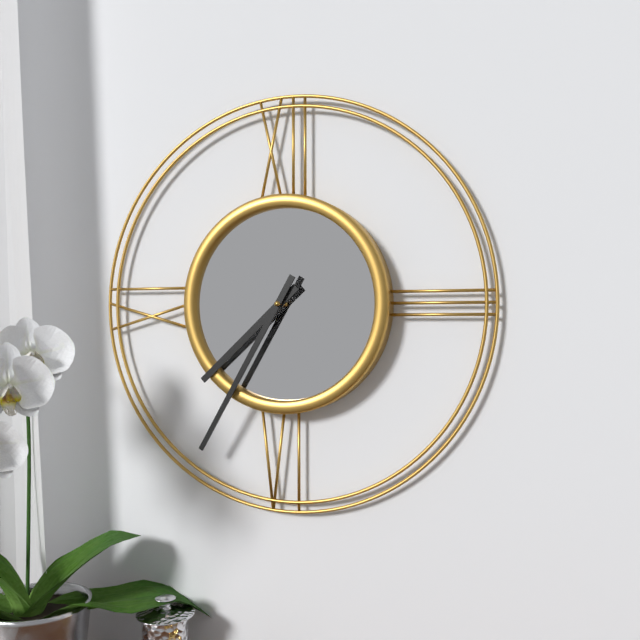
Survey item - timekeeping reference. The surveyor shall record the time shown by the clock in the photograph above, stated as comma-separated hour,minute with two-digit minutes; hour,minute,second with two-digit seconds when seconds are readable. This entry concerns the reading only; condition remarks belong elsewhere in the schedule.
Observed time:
7,35
